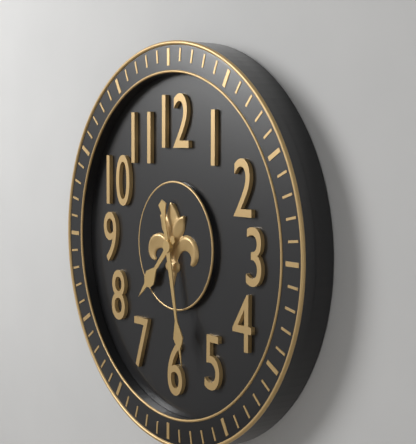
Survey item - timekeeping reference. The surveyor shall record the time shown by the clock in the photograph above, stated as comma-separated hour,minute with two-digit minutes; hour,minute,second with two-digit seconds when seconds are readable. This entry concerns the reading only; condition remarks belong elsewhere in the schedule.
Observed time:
7,28
